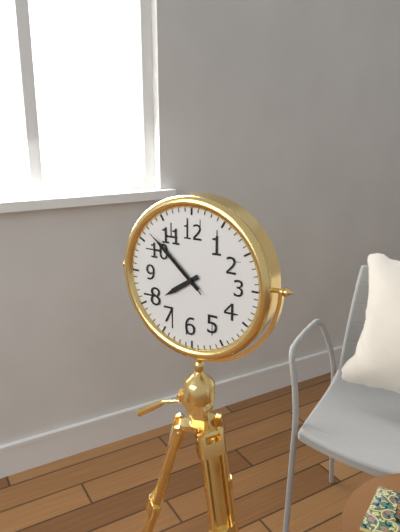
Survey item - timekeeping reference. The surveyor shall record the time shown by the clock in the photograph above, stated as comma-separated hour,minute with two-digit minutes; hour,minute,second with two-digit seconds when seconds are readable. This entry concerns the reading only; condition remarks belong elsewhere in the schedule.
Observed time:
7,52,52
